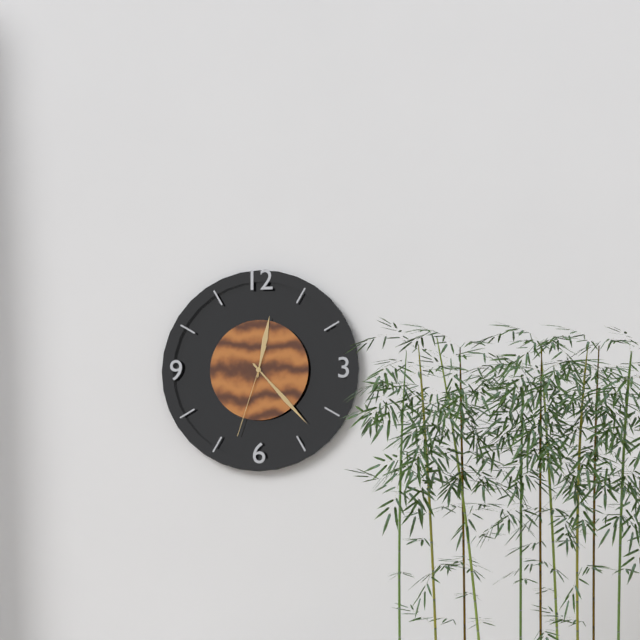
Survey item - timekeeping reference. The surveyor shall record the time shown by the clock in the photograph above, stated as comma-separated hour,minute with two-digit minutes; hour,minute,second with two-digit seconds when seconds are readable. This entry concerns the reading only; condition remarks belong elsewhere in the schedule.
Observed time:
12,23,33
